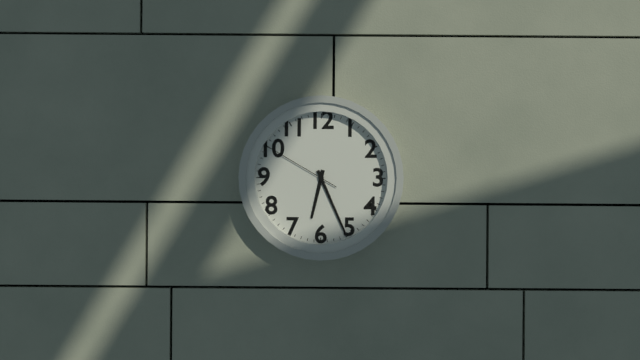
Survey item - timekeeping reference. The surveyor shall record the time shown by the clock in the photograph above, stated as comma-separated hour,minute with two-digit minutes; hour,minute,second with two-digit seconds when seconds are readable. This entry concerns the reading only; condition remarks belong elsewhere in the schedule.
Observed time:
6,26,50
